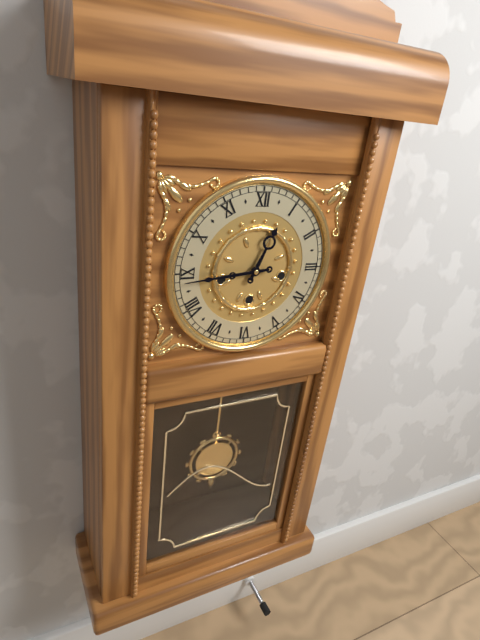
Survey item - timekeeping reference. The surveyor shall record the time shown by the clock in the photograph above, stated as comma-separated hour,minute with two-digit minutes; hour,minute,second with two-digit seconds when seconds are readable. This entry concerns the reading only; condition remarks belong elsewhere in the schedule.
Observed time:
12,44
